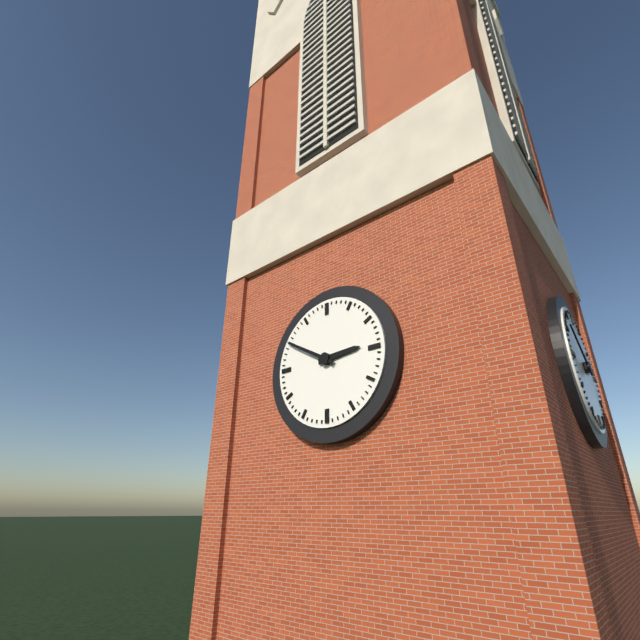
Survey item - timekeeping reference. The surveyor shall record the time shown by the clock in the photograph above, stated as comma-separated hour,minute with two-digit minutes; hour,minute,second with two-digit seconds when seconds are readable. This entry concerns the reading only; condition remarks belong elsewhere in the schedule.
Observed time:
2,50
